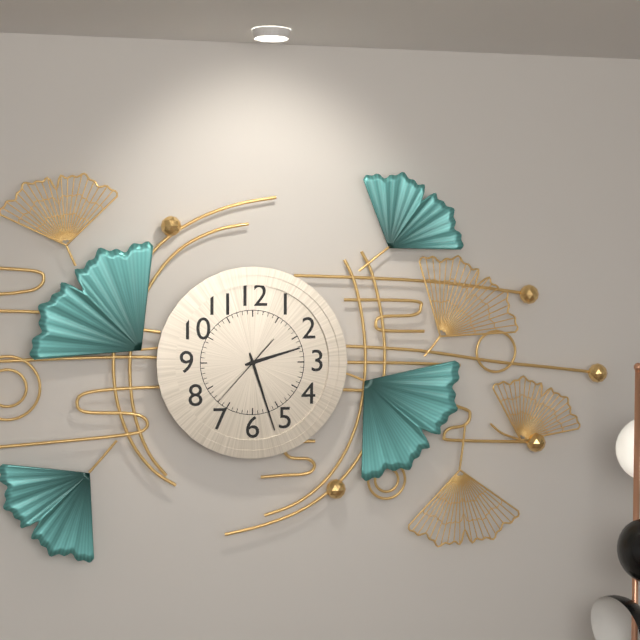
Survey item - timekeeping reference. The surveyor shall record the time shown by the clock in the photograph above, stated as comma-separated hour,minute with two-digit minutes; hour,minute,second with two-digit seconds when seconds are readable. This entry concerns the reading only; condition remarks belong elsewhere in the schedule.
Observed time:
2,27,37
